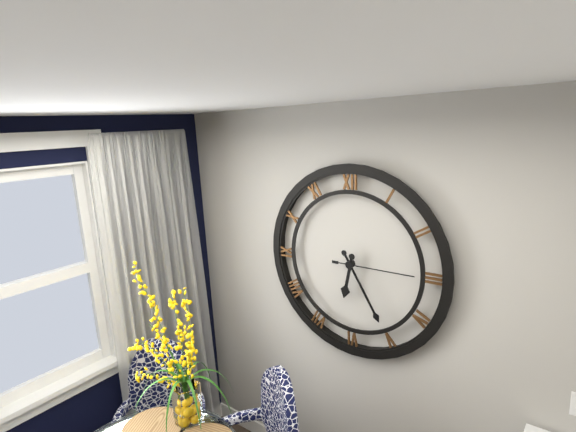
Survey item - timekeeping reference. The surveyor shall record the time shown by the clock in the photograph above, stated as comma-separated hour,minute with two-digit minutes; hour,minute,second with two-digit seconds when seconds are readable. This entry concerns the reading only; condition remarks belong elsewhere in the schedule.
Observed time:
6,25,15
